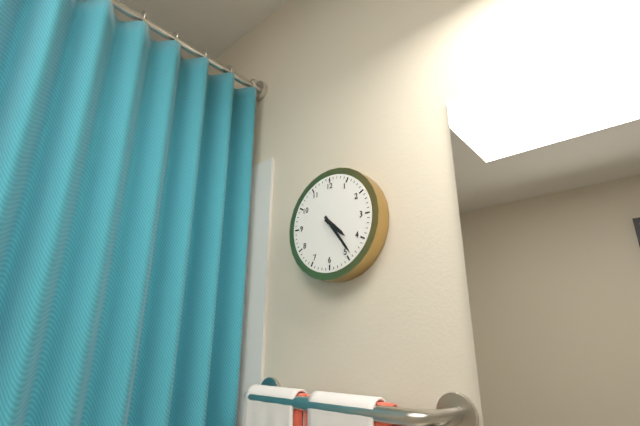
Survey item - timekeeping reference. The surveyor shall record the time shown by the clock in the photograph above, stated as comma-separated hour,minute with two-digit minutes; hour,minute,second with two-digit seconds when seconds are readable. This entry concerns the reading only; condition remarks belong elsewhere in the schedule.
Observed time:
4,24
